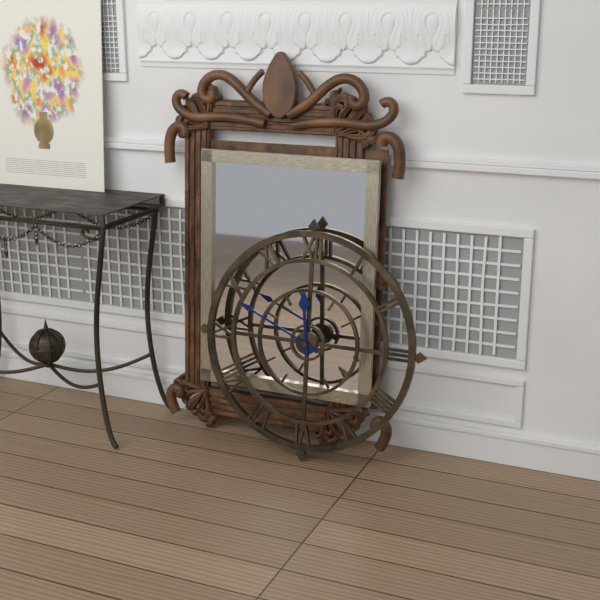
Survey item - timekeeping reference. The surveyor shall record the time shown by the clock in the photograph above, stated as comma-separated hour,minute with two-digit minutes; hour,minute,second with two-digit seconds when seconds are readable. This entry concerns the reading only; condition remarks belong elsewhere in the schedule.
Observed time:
11,49
